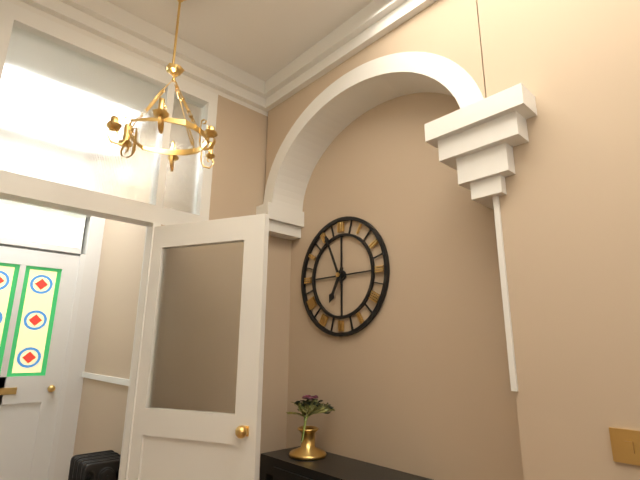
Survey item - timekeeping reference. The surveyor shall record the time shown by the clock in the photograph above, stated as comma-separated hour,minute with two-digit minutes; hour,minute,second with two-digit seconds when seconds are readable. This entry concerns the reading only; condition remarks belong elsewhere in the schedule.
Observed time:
6,56
